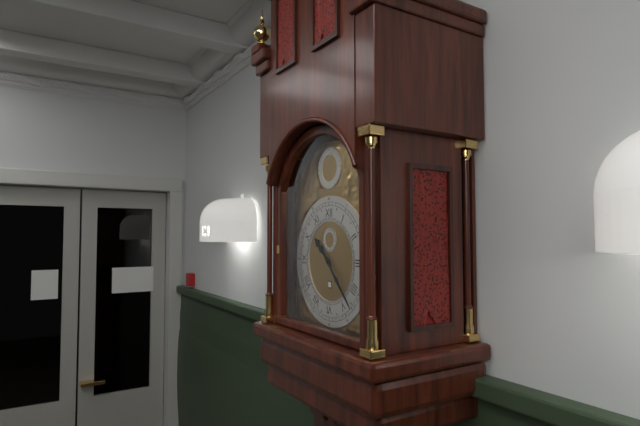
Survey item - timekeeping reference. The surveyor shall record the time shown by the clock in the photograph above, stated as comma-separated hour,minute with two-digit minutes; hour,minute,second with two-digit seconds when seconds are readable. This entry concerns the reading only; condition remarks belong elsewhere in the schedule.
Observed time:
10,23
